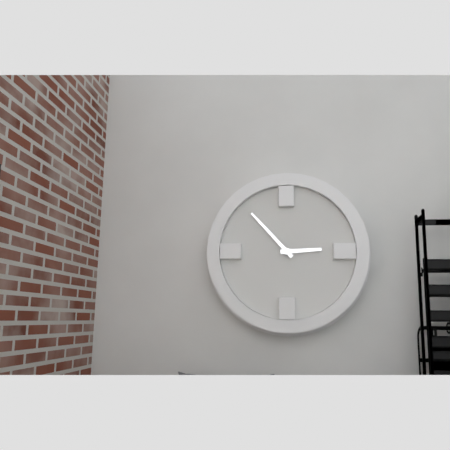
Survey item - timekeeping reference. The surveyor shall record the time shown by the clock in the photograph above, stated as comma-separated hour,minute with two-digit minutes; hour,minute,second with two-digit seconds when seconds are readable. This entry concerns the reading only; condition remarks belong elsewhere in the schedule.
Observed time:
2,53
